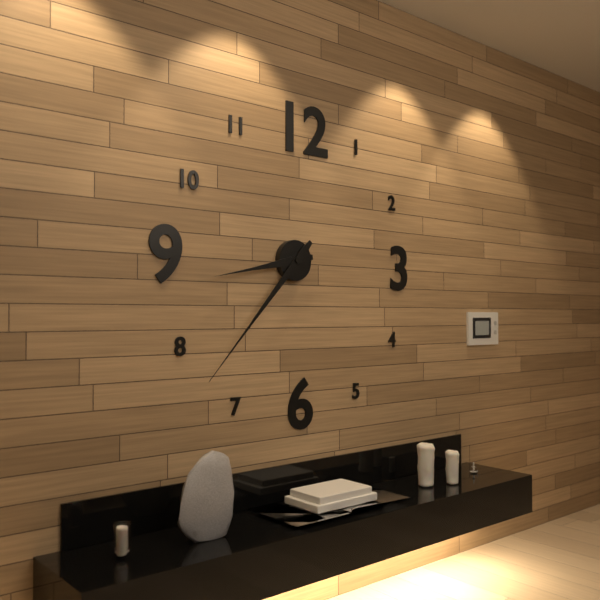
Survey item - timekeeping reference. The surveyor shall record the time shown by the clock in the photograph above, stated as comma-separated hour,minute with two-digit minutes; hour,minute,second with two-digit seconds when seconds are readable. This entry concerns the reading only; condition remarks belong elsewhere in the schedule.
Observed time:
8,37
